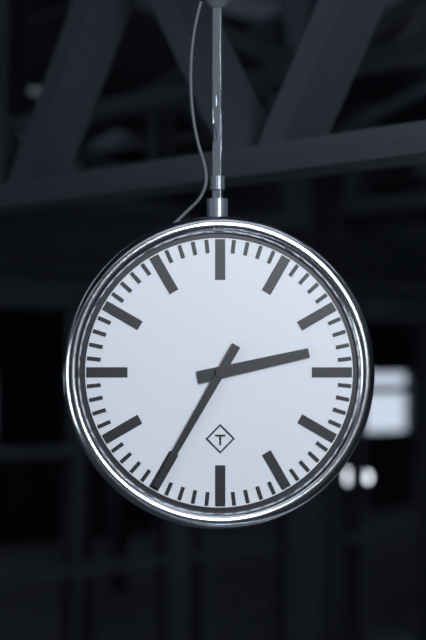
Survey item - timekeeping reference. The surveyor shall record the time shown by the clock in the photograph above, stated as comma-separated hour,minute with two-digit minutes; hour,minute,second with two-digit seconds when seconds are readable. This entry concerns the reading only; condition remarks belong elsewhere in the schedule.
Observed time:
2,35
